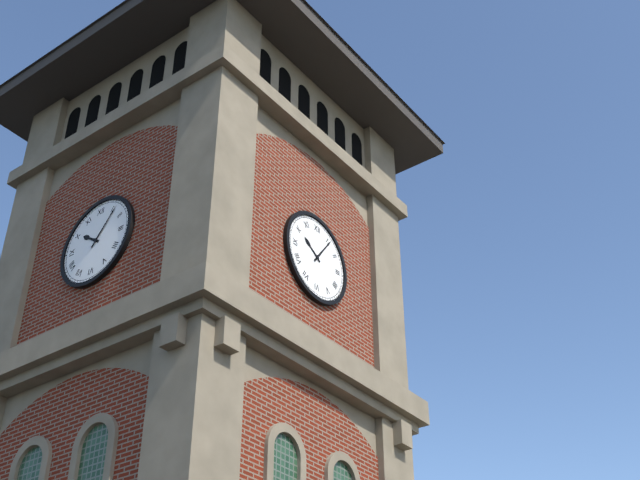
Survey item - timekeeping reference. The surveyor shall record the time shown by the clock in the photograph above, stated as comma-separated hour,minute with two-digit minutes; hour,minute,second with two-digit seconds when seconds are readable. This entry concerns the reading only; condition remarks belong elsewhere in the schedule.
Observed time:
10,06
